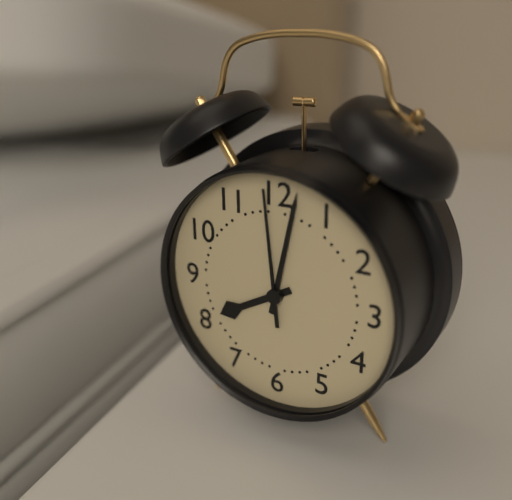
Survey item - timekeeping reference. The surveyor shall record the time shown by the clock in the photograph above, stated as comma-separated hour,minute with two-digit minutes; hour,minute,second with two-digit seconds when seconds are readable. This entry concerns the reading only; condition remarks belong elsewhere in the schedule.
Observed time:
8,02,59
